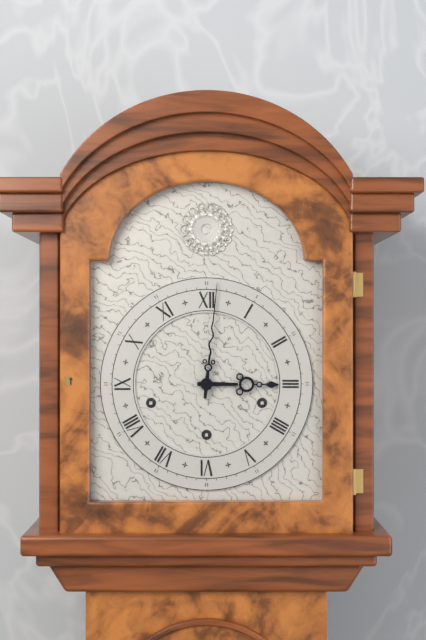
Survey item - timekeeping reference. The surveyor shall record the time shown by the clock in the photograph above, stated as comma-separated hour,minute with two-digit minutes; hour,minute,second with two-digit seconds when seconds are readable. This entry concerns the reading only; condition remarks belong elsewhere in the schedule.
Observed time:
3,01
